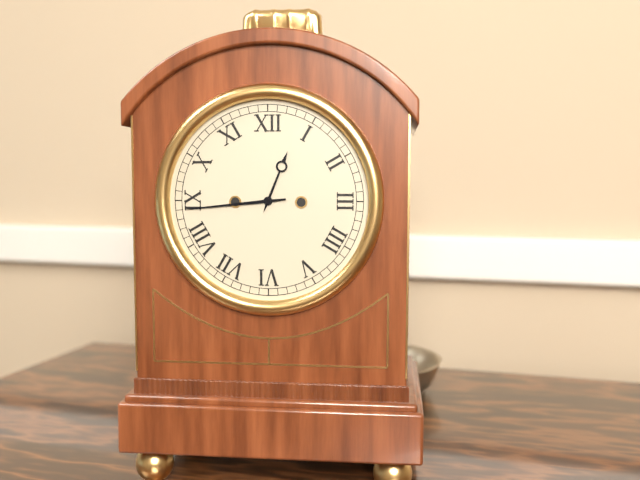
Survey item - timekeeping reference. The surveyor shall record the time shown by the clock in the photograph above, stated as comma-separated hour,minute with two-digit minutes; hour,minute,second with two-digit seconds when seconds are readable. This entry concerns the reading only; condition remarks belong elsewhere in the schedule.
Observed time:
12,44
